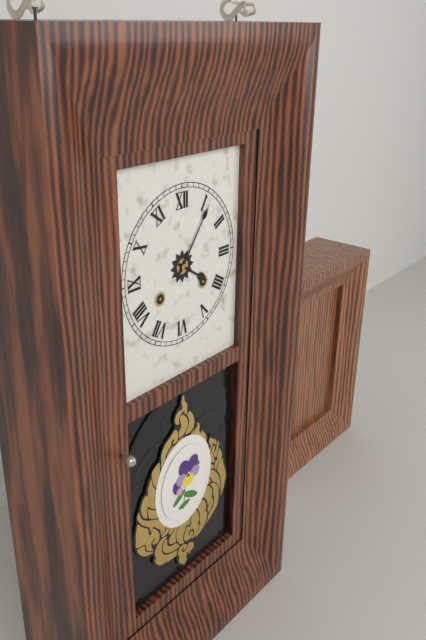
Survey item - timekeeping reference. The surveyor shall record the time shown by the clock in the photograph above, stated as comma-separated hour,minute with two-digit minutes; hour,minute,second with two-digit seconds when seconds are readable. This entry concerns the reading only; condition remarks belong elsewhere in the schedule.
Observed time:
4,06
